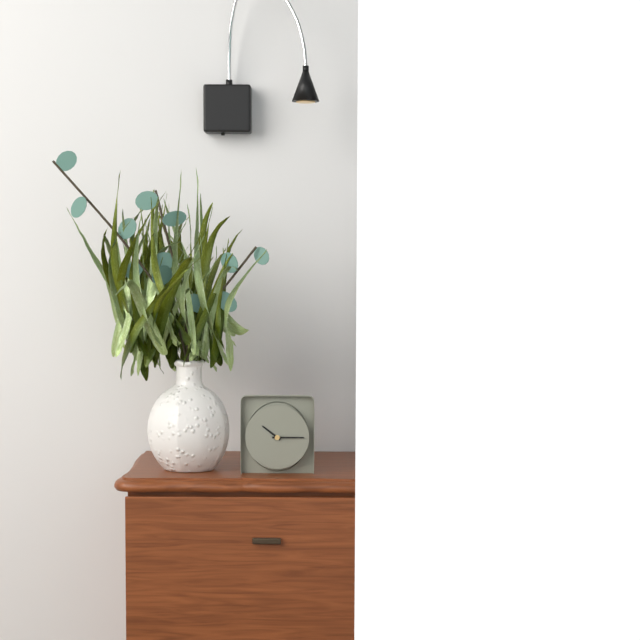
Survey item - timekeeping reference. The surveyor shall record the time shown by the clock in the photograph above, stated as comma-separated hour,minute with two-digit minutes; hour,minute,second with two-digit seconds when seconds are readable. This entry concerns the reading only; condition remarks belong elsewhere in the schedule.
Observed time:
10,15
